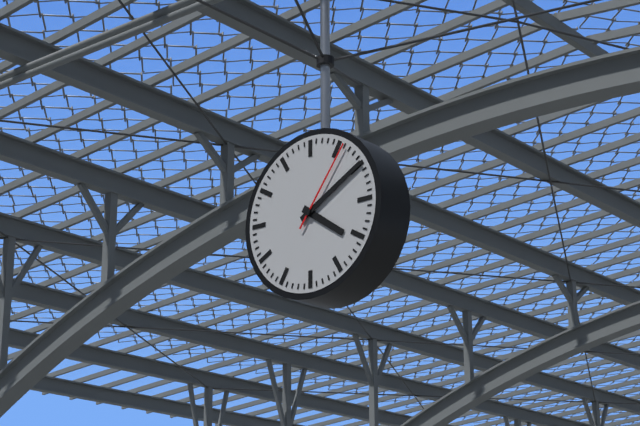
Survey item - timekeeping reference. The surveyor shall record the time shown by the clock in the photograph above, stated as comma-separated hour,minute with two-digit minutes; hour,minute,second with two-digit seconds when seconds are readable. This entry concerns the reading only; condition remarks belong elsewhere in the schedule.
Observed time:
4,10,06
